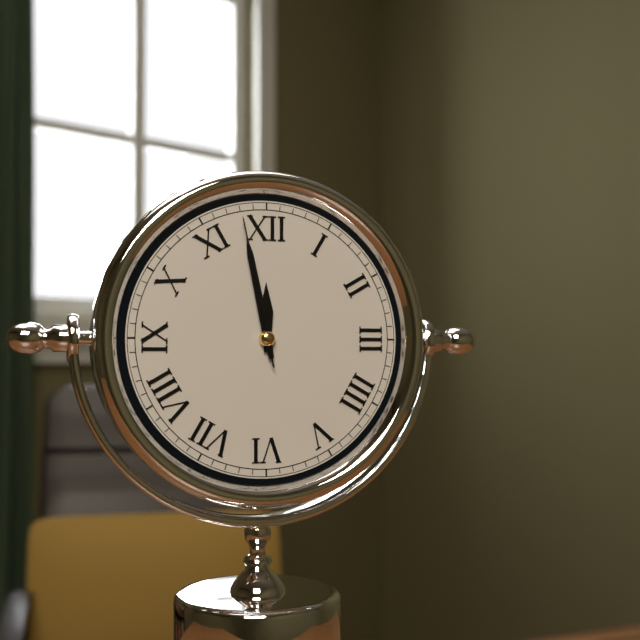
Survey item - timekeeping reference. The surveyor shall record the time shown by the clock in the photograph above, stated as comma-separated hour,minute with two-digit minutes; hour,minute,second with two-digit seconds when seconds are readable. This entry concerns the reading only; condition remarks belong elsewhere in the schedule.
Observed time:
11,58,58
